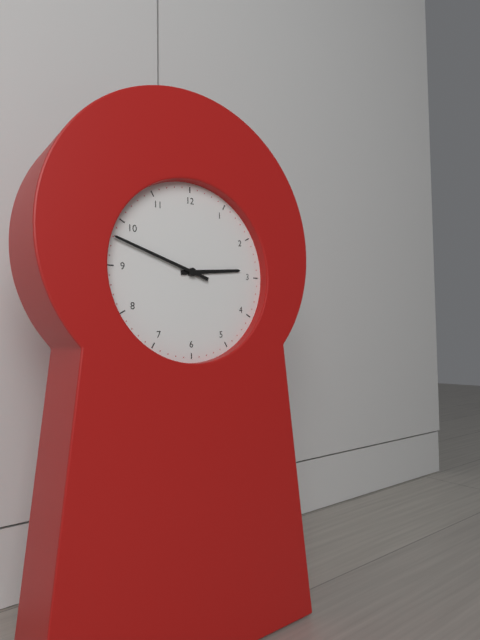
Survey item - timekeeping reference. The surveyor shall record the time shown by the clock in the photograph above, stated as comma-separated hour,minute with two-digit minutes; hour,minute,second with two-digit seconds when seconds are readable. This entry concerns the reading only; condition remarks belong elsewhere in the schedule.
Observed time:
2,48
